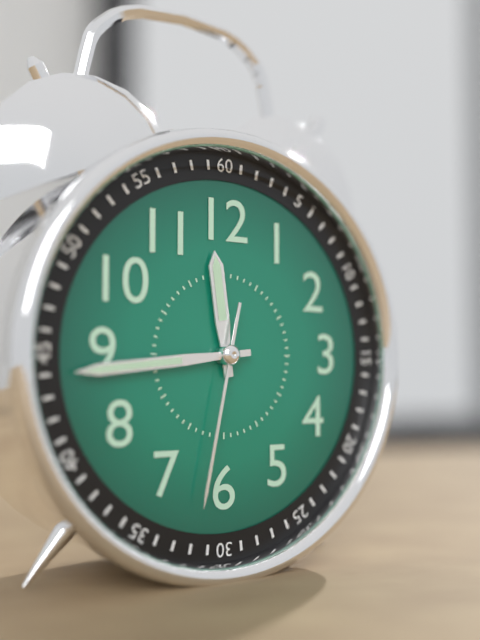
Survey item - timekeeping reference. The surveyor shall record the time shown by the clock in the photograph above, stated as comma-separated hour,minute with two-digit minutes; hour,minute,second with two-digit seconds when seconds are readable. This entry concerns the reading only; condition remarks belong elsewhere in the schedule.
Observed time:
11,44,32
